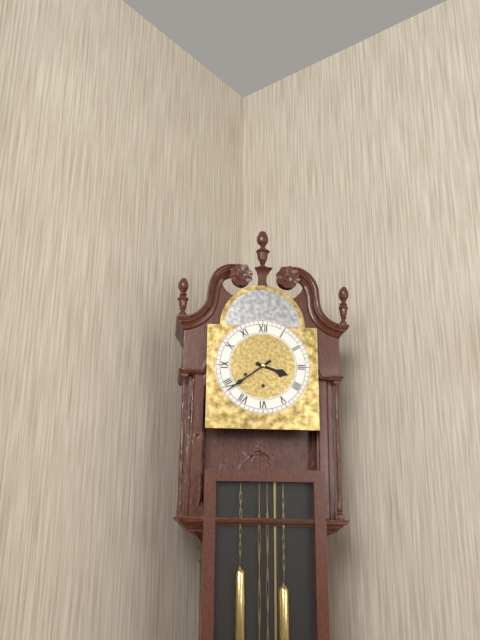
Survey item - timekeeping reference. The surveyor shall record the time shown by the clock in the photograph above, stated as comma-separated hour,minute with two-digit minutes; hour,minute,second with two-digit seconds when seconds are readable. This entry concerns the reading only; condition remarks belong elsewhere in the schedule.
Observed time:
3,39
